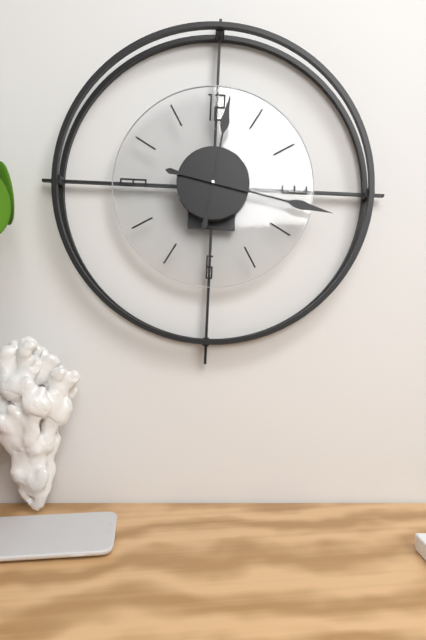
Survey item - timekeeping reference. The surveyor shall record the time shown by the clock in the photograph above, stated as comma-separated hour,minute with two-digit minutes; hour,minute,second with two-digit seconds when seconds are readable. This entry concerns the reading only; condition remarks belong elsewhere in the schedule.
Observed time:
12,17
